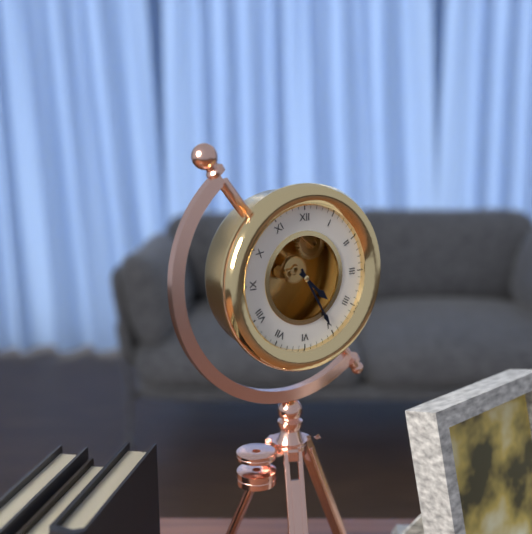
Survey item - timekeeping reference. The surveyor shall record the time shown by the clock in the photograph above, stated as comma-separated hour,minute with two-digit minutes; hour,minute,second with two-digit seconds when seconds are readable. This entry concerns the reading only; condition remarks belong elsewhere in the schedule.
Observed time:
4,25
